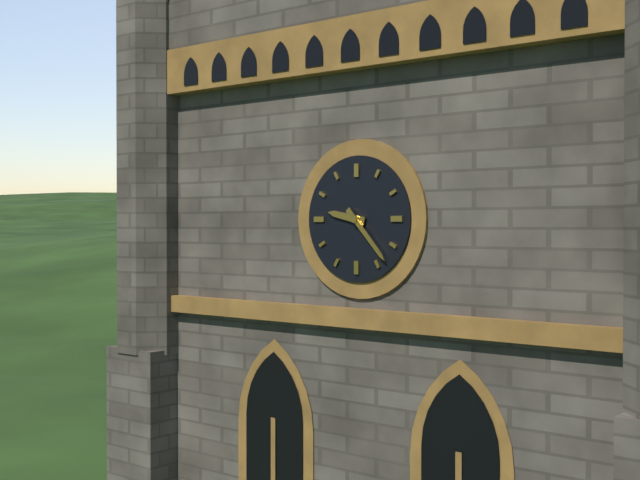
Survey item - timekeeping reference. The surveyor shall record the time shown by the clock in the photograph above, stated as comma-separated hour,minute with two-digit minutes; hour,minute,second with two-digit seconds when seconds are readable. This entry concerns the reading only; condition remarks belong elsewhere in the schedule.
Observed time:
9,23
